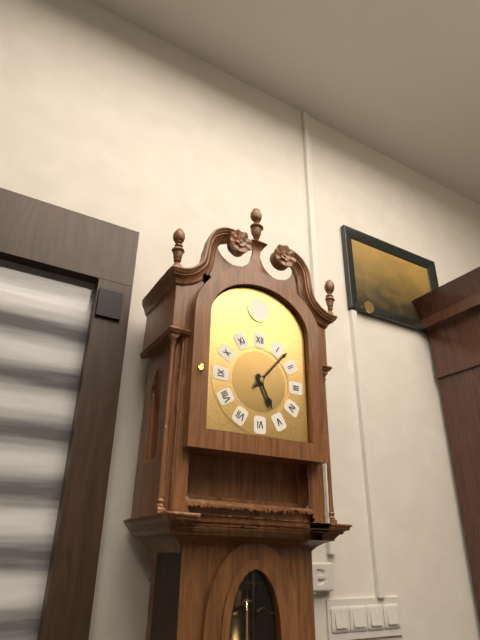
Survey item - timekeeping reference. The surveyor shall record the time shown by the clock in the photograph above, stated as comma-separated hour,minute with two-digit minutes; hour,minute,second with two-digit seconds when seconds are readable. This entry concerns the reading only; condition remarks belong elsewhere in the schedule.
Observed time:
5,07
